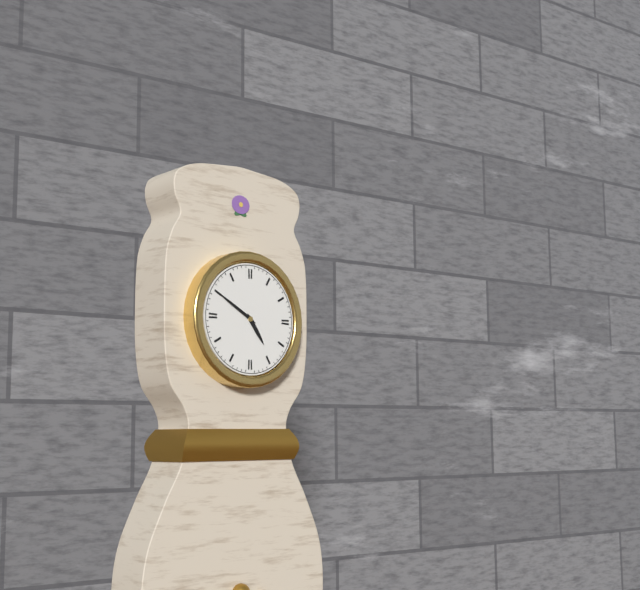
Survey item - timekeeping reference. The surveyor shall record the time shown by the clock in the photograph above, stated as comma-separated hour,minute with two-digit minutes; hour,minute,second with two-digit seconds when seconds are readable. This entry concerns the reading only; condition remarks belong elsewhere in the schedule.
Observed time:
4,50
